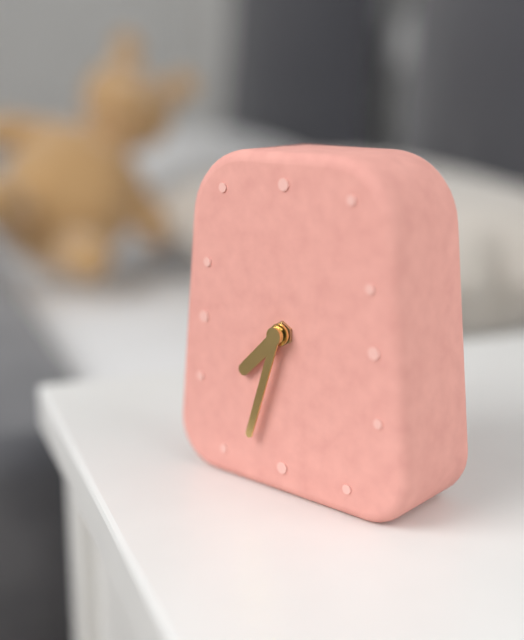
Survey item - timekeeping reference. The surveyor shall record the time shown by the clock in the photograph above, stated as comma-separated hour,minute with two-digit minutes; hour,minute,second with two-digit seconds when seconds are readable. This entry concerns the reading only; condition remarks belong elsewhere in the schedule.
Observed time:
7,33
